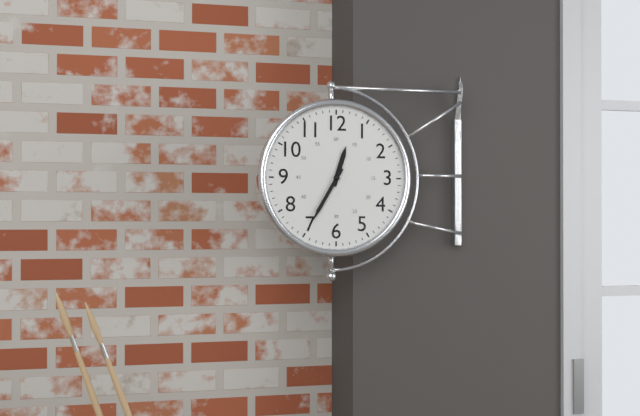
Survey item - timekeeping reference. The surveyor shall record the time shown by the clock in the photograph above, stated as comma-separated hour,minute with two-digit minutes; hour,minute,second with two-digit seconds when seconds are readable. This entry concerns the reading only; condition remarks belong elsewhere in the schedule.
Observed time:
12,35
